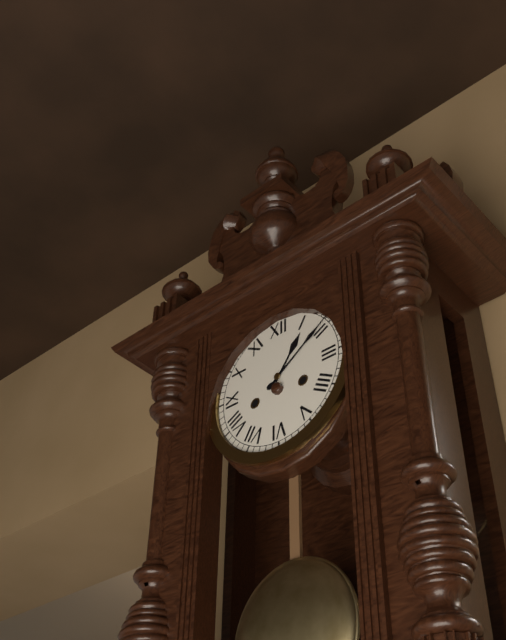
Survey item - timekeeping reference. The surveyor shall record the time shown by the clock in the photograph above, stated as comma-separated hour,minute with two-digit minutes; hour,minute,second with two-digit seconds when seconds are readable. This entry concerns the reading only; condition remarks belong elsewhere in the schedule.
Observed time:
1,09
